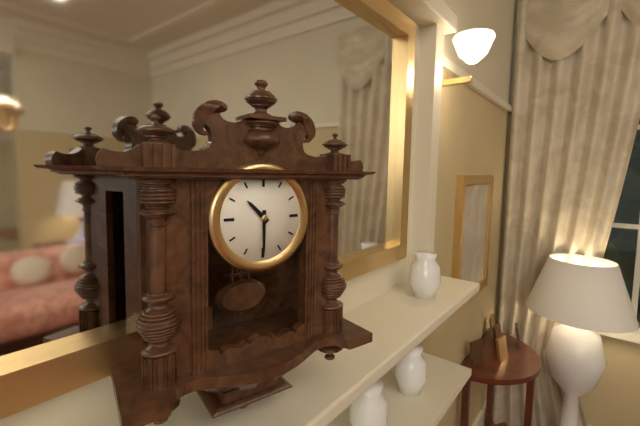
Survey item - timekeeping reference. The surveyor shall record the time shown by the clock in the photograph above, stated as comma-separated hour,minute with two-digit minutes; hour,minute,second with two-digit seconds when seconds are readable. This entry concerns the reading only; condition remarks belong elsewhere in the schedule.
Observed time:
10,30
